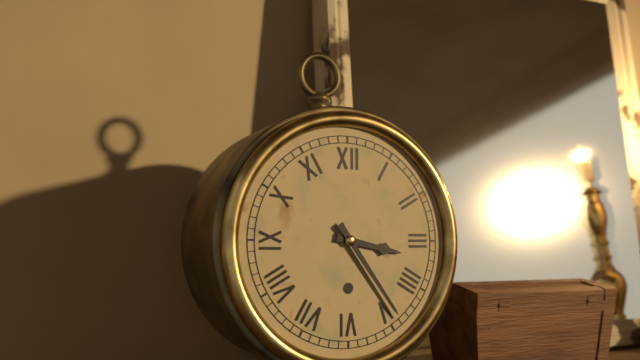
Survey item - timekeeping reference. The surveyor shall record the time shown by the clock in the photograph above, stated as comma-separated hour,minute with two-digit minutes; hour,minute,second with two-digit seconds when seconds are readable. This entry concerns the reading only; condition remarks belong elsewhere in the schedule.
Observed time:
3,24
